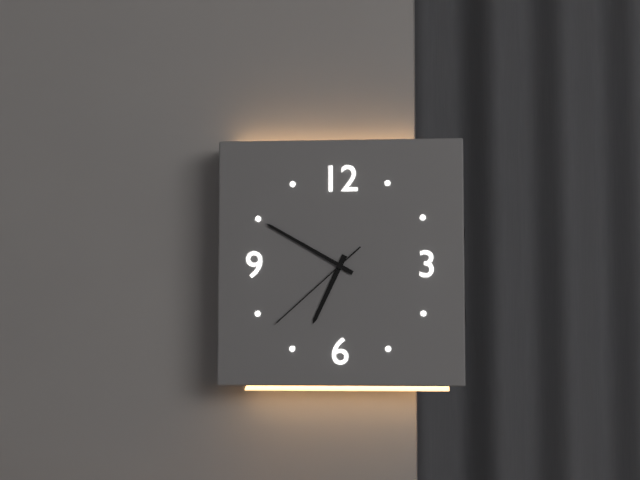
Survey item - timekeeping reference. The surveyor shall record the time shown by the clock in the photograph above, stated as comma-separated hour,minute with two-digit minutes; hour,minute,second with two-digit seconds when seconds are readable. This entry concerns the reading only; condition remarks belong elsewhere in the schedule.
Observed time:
6,50,38
